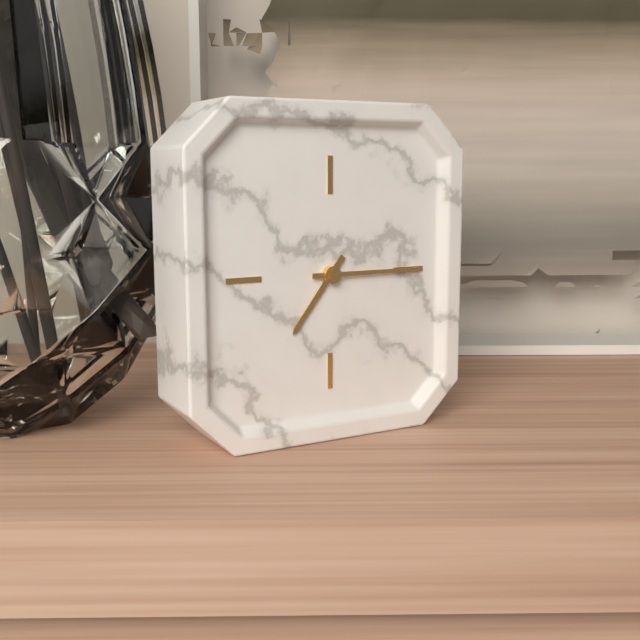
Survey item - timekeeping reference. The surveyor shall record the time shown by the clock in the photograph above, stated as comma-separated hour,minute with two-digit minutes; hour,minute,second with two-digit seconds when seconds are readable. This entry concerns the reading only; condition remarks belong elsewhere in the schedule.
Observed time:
7,15
